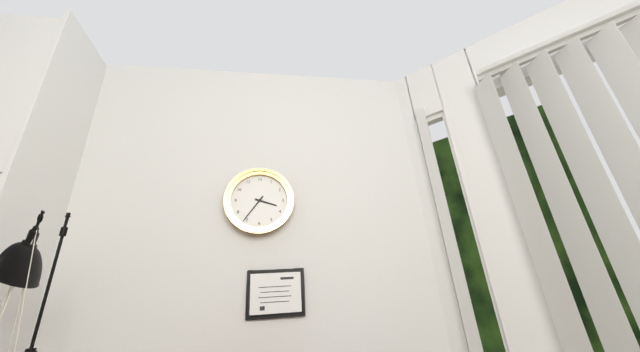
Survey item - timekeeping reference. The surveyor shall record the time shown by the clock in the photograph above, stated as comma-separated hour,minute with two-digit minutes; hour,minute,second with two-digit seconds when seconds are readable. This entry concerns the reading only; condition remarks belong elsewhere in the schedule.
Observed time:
3,36
